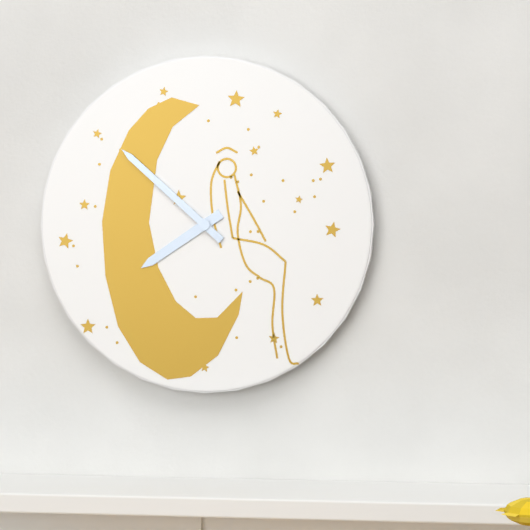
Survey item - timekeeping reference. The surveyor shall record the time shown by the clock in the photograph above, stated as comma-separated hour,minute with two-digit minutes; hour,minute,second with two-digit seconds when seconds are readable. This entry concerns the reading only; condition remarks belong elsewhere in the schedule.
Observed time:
7,52
